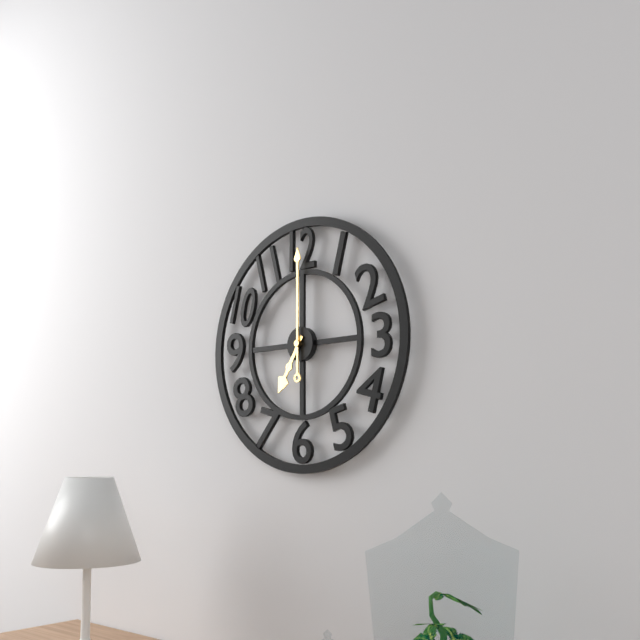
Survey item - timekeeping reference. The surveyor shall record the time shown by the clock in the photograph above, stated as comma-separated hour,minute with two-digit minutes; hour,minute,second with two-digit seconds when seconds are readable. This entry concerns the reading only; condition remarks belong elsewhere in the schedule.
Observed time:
7,00
